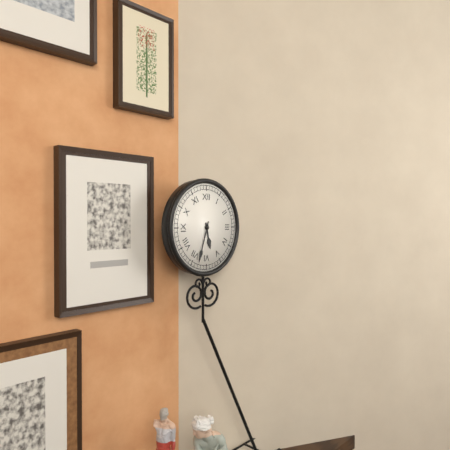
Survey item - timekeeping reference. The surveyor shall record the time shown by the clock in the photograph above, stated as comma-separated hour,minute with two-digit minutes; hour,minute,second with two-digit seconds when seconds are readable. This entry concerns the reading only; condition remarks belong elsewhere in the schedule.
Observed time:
5,33
